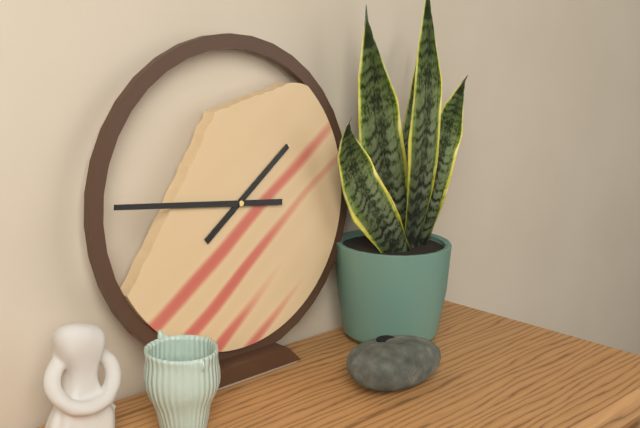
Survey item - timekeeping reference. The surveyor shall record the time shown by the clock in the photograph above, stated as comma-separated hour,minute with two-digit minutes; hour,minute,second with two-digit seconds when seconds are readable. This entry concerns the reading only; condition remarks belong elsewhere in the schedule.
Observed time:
1,46
